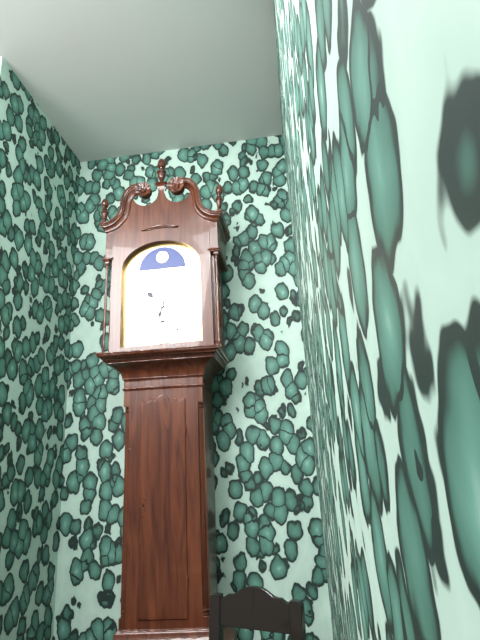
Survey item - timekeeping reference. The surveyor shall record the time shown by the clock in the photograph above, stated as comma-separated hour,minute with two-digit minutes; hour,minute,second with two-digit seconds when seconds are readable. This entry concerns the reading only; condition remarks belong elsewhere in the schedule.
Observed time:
10,33
